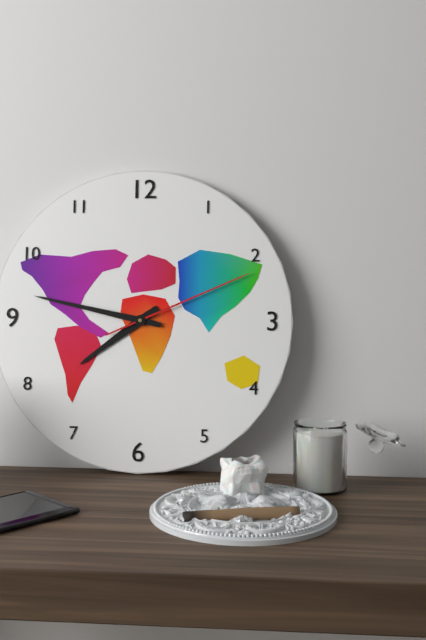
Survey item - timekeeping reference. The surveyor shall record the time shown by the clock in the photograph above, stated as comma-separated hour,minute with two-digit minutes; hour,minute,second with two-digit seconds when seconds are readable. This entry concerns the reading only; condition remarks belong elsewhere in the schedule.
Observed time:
7,47,11
